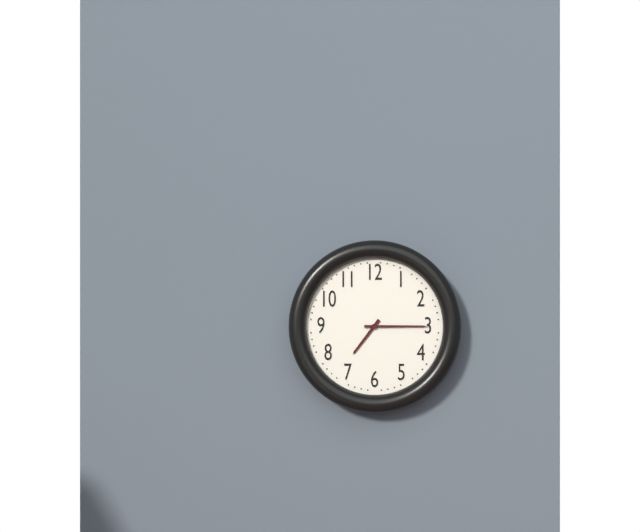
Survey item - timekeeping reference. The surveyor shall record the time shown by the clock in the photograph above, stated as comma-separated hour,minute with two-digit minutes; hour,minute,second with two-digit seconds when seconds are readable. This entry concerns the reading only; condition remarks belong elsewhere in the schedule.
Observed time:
7,15
